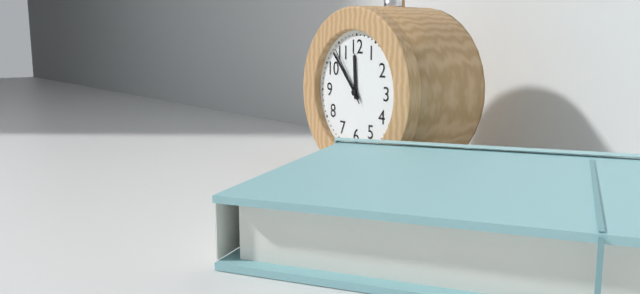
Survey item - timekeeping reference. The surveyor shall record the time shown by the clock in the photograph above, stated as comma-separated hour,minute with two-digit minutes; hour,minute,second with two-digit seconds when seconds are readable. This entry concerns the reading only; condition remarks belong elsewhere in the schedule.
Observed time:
11,53,54
